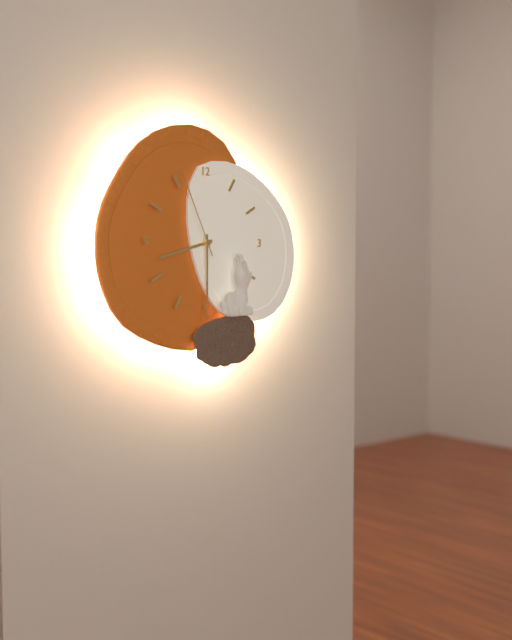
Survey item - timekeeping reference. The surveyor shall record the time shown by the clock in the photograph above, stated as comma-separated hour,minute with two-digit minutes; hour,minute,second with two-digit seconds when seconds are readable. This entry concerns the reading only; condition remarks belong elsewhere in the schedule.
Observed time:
8,30,56
